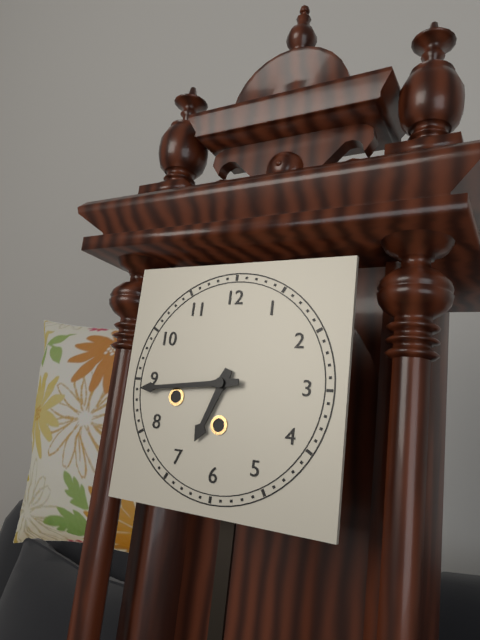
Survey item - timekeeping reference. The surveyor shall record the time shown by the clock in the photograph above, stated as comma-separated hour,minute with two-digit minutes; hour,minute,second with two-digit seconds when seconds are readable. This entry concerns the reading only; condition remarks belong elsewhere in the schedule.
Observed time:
6,44
